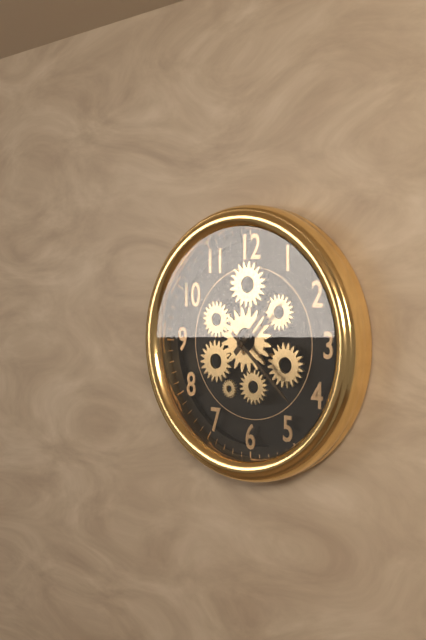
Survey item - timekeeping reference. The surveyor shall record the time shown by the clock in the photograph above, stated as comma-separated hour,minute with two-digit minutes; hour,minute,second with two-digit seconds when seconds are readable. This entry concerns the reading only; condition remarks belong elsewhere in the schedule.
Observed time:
1,22
